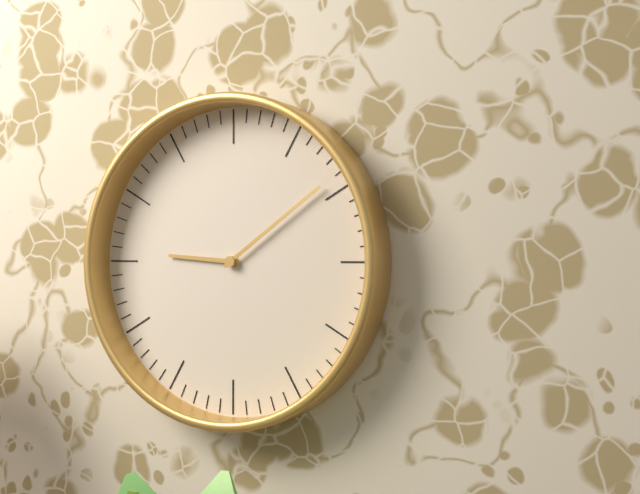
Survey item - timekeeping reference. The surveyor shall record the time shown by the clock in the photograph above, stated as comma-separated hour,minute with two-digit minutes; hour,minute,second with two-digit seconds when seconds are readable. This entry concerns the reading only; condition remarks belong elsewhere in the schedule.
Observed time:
9,09
